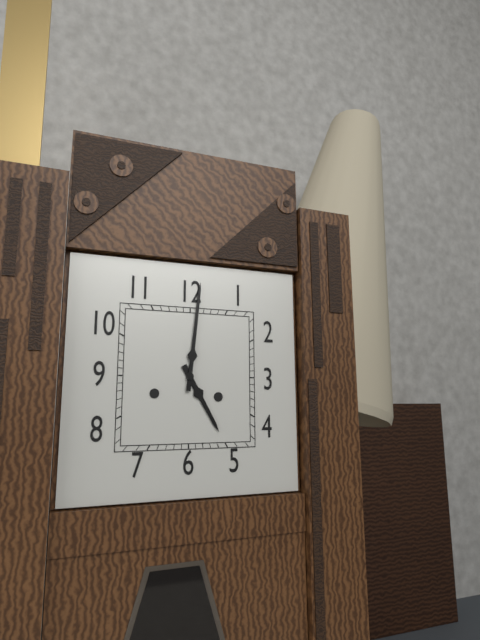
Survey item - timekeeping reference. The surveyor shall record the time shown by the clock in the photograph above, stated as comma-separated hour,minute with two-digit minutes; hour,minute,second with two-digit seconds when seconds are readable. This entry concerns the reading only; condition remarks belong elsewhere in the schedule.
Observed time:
5,01
